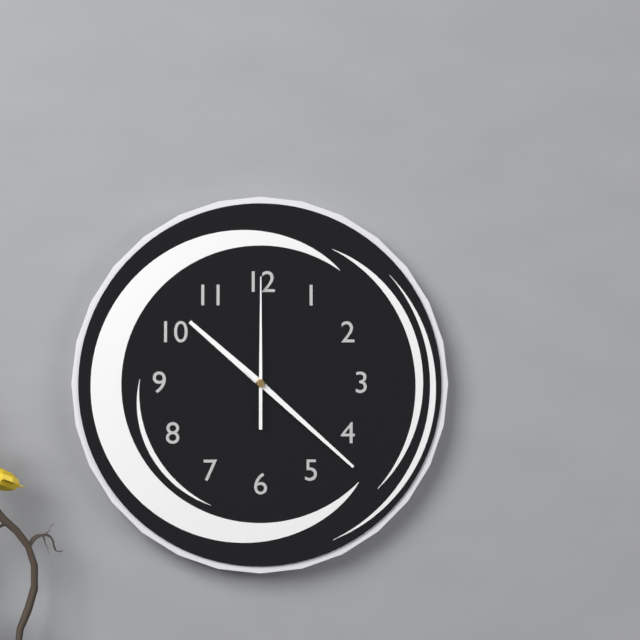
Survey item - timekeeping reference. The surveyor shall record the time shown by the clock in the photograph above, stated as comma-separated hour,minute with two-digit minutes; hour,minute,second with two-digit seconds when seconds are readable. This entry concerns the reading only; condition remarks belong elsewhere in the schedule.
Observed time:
10,22,00
